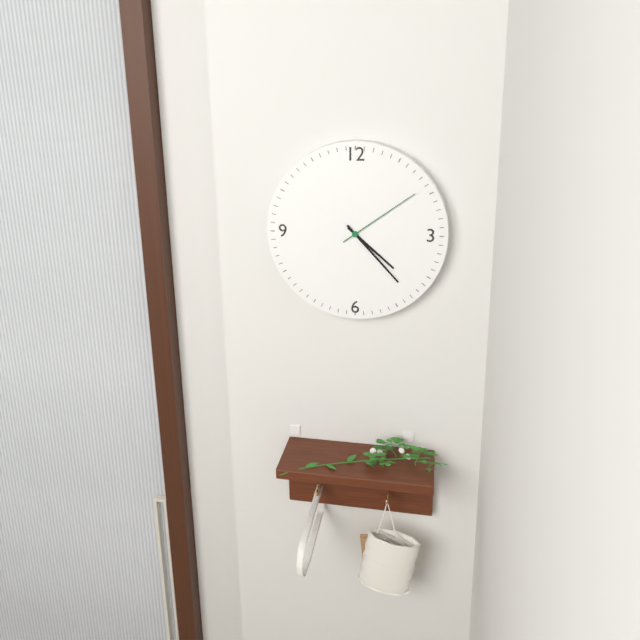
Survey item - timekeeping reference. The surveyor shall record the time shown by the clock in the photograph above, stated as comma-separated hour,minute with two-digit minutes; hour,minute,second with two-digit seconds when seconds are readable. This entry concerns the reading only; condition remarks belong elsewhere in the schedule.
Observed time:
4,23,09
